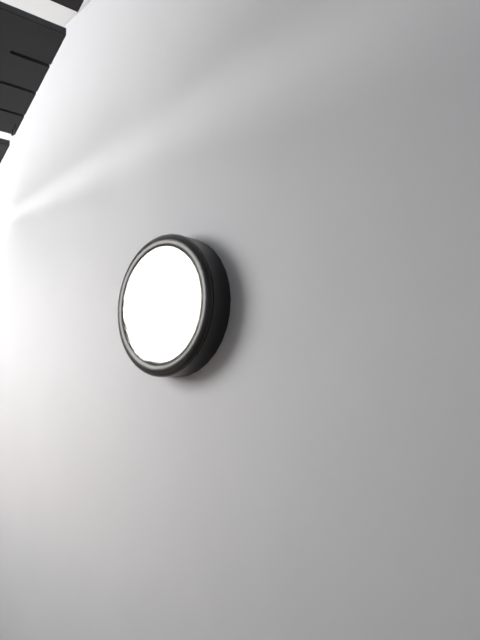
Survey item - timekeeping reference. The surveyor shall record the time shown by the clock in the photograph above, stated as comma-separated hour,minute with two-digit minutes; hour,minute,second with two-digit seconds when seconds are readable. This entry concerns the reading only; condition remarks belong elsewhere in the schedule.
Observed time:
5,18
